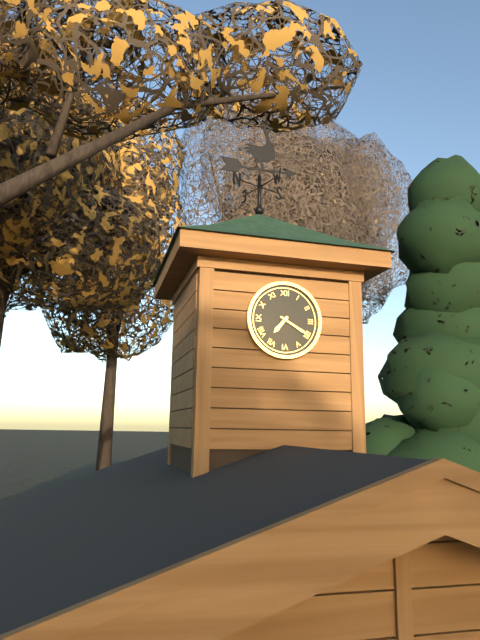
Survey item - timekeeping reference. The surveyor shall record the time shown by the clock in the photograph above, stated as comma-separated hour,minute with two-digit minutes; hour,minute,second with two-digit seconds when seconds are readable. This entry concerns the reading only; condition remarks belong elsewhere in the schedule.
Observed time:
7,20
